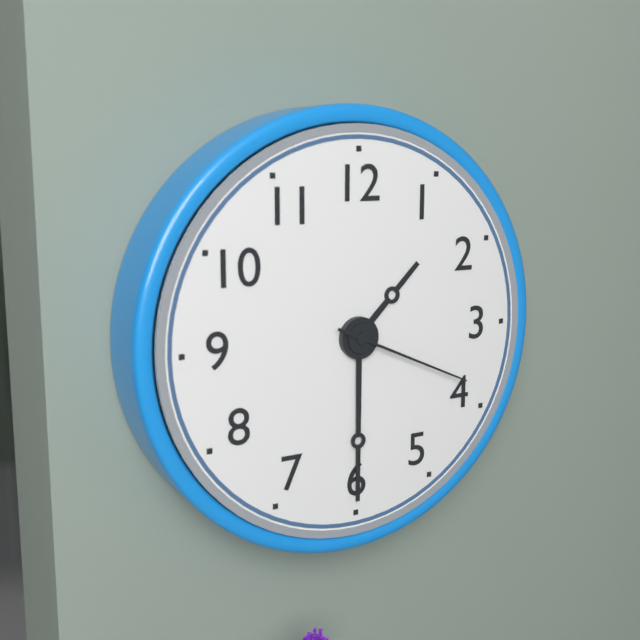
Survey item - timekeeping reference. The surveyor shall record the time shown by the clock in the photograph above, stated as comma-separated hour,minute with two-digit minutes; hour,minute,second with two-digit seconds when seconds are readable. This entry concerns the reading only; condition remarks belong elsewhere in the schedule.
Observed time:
1,30,19
